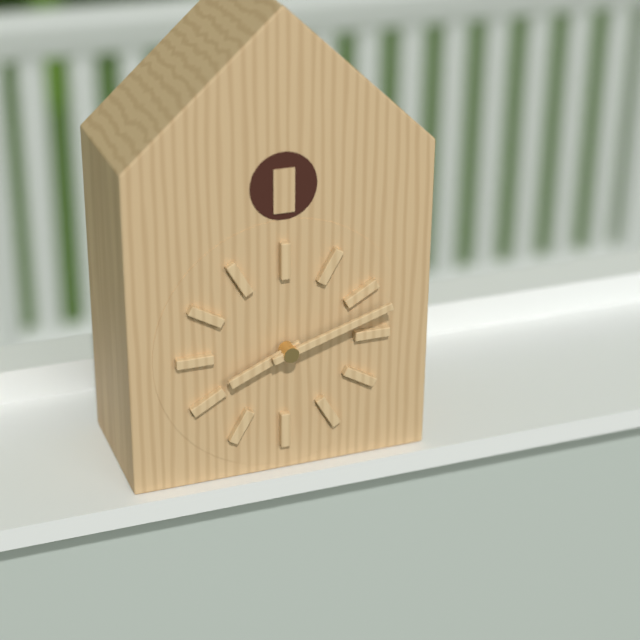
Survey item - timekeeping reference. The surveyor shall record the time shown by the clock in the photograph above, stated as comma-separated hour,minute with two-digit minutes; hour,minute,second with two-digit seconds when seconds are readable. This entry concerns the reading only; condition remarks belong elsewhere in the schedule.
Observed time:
8,12
